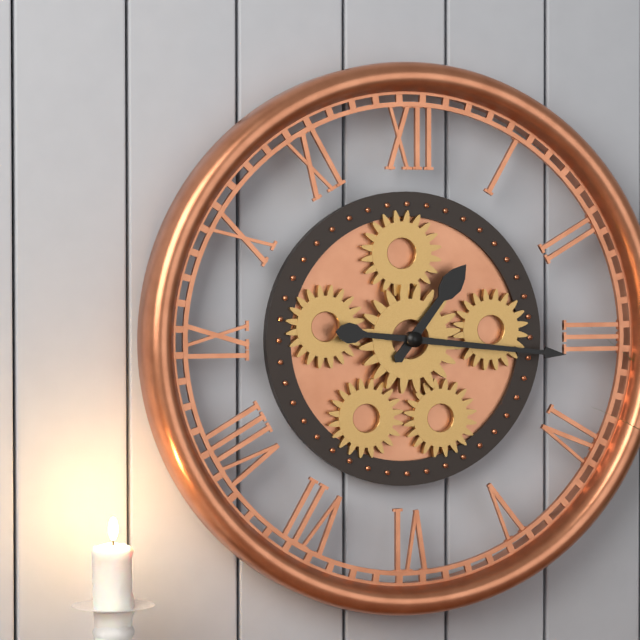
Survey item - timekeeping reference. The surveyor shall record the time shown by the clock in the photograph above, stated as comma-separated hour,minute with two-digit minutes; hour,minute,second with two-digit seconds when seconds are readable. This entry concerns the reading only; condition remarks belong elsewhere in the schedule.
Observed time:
1,16
